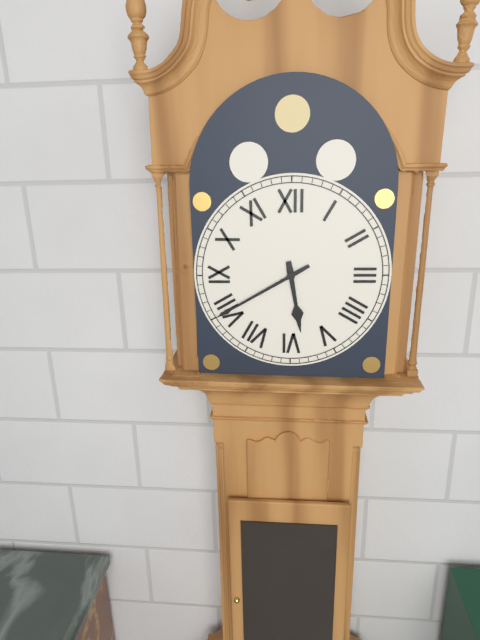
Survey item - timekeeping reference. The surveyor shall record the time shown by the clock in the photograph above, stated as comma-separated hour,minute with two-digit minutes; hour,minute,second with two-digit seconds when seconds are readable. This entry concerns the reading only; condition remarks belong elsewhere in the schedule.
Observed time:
5,40
